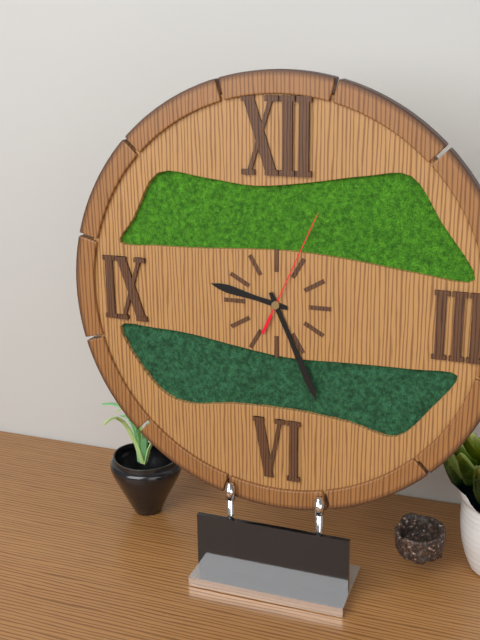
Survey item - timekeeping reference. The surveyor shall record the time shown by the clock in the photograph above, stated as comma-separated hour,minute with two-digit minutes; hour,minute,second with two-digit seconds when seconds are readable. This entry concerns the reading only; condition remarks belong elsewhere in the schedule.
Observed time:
9,26,04
